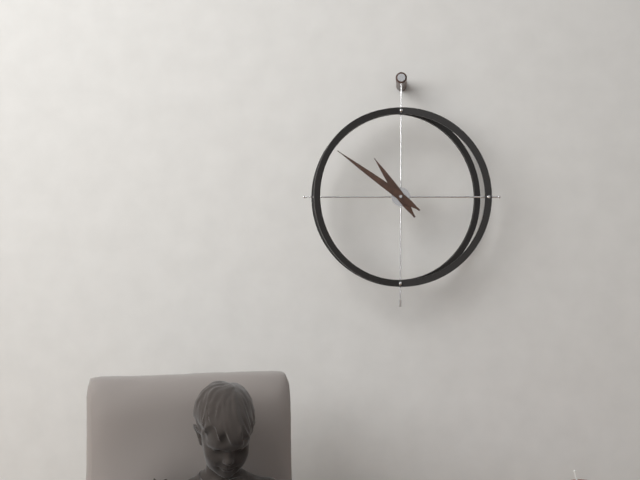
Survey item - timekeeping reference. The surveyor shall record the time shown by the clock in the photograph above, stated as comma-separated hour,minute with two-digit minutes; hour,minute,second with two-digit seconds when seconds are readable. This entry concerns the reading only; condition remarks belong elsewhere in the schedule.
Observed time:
10,51
